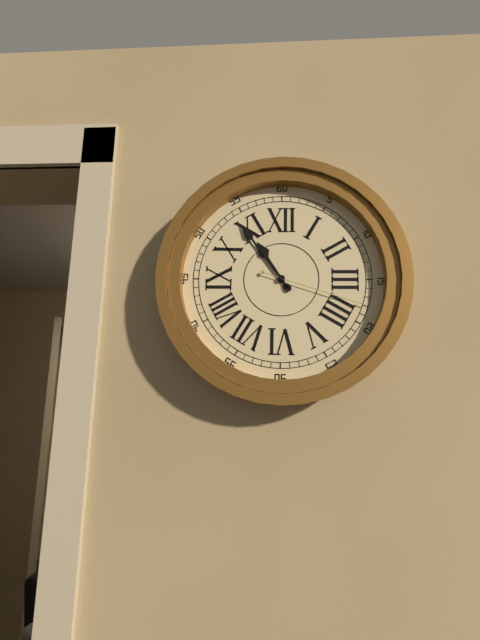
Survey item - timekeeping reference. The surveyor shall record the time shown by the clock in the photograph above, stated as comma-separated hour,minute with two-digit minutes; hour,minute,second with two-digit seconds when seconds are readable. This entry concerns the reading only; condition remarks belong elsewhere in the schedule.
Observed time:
10,54,18
